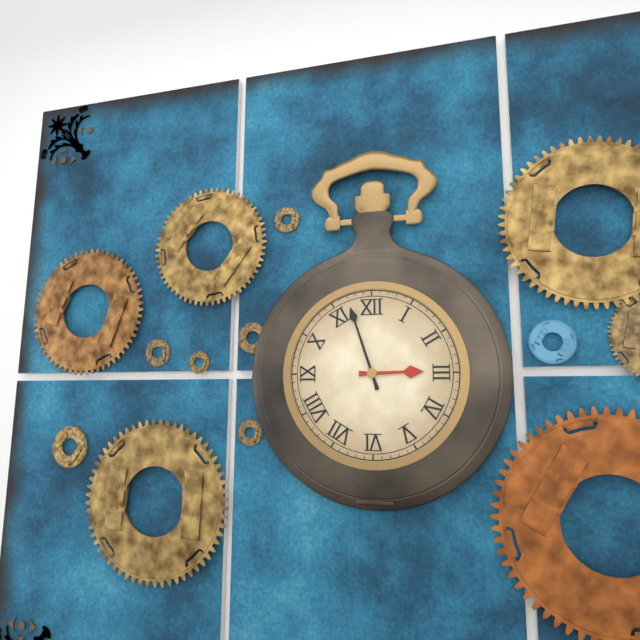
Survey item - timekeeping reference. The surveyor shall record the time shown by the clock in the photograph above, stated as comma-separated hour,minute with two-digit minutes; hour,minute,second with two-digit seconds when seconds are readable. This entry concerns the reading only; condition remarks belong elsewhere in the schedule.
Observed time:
2,57
